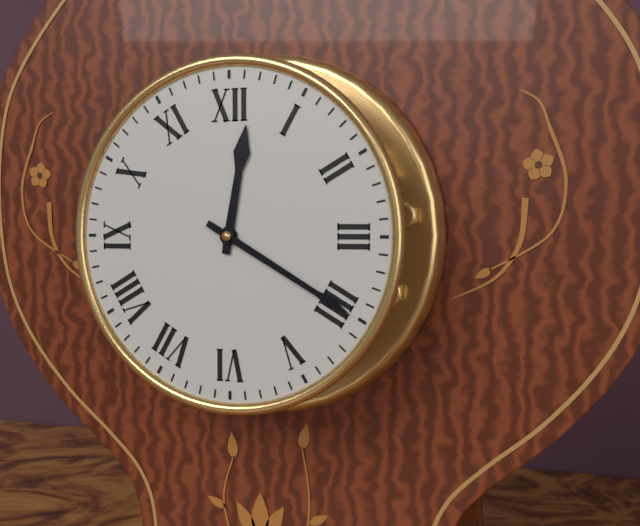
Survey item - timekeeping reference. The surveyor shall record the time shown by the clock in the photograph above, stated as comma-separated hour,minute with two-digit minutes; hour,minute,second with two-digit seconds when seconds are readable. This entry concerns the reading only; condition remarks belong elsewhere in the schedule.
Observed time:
12,20
